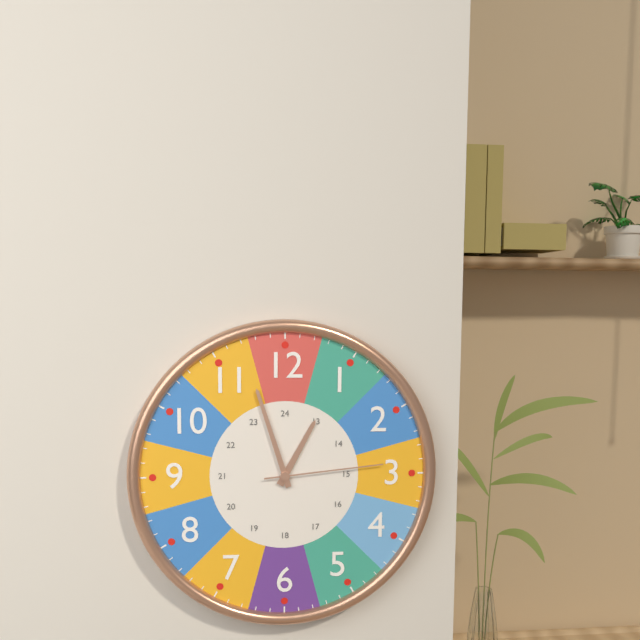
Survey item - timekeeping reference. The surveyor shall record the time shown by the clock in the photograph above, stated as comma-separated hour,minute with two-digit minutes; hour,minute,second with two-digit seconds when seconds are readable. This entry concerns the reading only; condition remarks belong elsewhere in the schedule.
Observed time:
12,57,14
